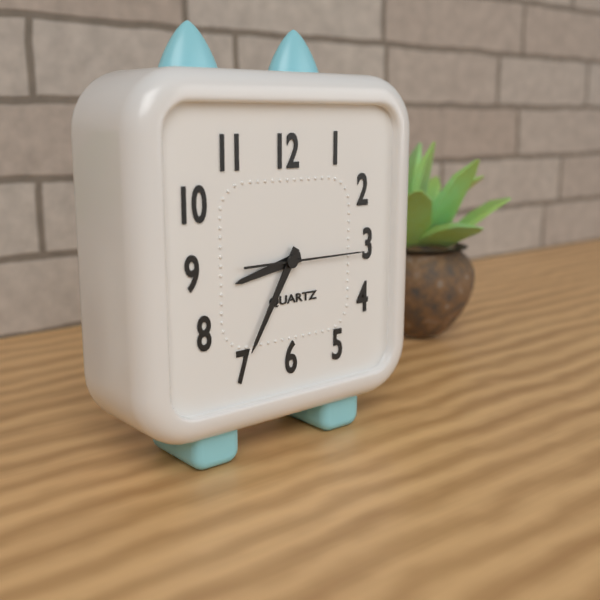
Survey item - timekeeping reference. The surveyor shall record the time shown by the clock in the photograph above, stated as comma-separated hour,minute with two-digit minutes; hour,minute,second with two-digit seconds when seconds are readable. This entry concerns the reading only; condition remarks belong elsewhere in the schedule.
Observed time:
8,35,15
